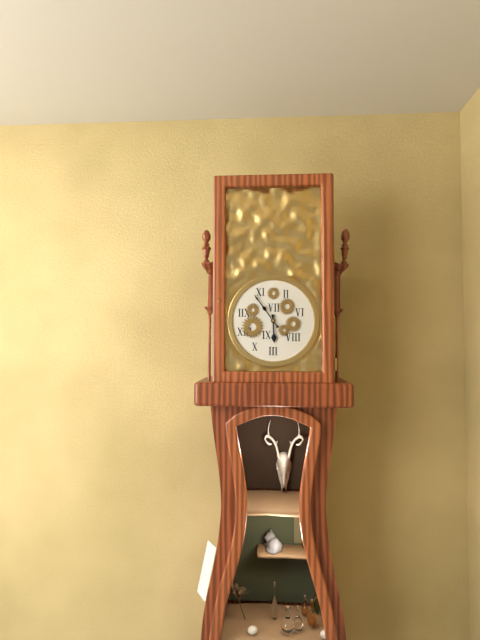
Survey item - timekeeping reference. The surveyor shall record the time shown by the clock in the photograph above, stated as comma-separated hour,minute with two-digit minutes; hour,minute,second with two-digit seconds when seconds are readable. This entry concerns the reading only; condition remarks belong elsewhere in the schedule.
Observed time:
5,54
